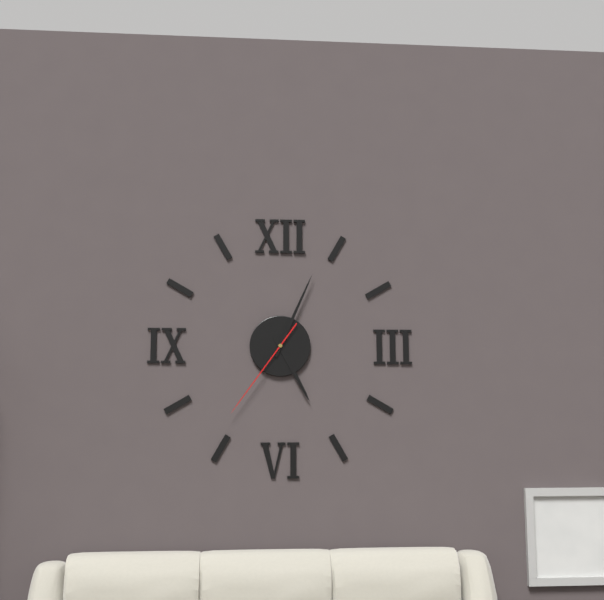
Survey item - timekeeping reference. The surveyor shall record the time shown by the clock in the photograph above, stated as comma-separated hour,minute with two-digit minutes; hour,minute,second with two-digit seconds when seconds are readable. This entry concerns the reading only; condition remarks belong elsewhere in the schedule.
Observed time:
5,04,36
